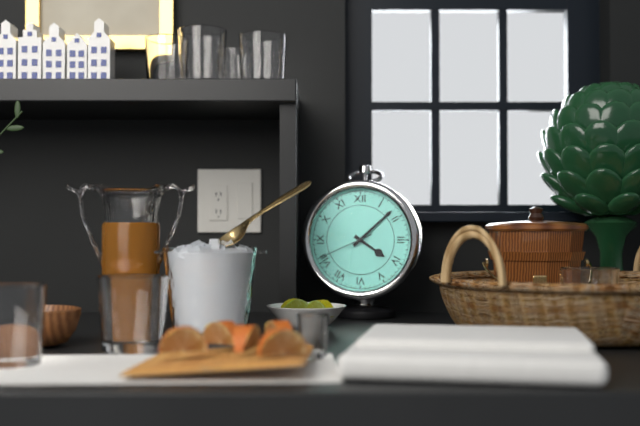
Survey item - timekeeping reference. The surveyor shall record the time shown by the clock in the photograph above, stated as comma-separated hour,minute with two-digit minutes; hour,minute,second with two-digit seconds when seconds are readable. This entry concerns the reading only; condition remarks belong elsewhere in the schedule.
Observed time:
4,08,41
